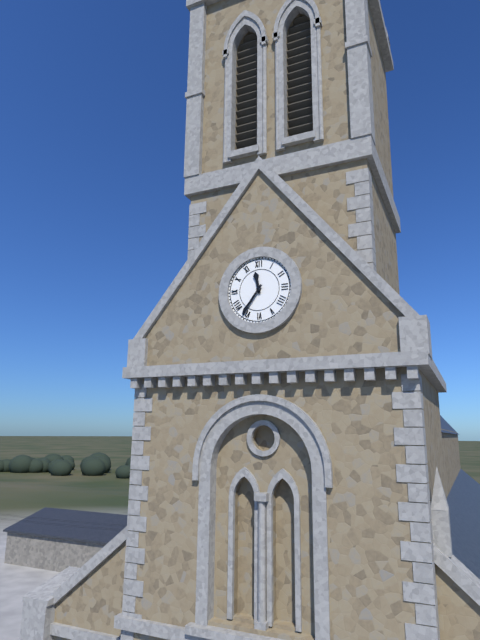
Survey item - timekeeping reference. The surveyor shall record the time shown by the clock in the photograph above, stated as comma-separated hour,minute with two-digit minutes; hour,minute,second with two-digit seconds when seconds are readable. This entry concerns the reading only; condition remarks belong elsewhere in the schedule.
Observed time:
11,36
